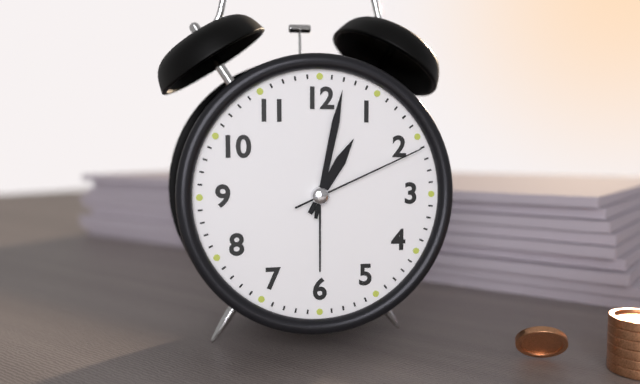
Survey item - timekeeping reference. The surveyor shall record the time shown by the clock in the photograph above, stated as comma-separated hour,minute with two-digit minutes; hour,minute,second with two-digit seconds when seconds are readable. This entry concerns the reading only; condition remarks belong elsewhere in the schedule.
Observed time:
1,02,11
